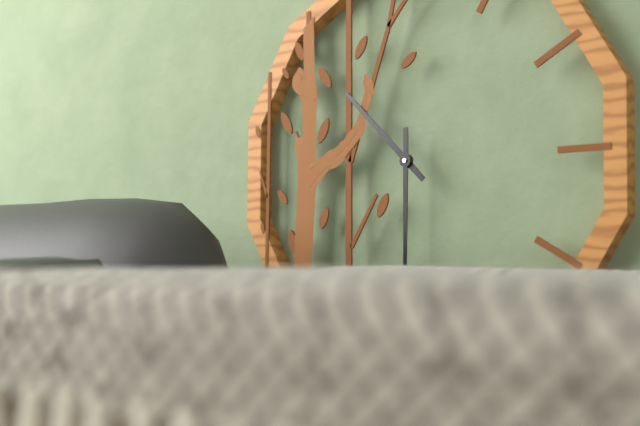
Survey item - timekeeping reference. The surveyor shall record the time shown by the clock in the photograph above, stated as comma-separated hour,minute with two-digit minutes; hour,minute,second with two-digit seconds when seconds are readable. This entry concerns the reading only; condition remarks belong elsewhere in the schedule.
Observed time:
10,30
